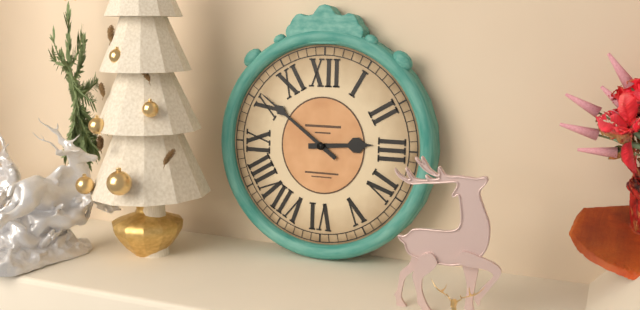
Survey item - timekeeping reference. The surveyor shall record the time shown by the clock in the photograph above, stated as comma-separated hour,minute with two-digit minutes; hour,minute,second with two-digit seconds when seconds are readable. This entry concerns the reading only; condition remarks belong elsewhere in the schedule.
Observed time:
2,51
